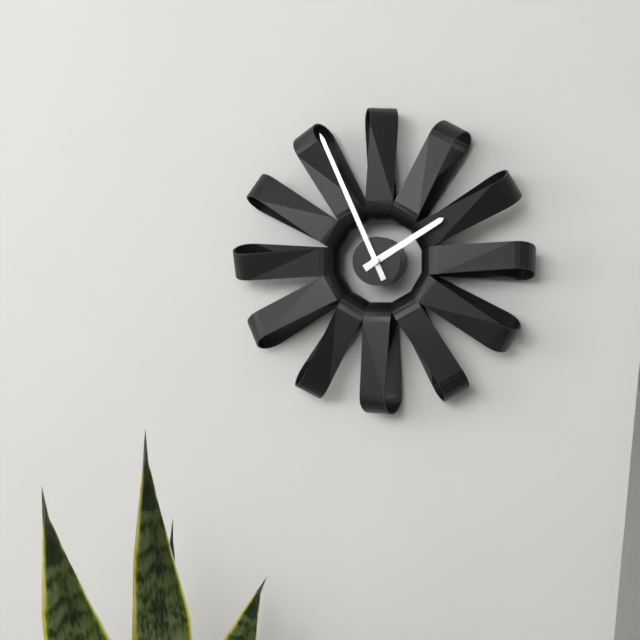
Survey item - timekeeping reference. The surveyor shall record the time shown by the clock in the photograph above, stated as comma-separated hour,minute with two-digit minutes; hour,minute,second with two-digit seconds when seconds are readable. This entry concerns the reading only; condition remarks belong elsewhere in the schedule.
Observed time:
1,56
